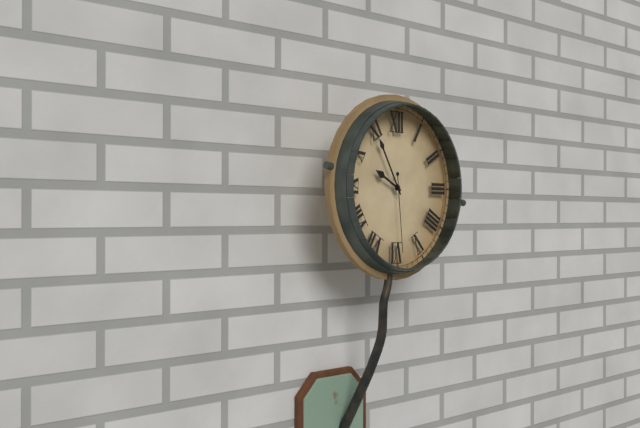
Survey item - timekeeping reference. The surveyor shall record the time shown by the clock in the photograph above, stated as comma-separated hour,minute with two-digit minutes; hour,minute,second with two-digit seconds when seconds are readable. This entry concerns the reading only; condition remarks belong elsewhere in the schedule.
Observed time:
9,55,29
